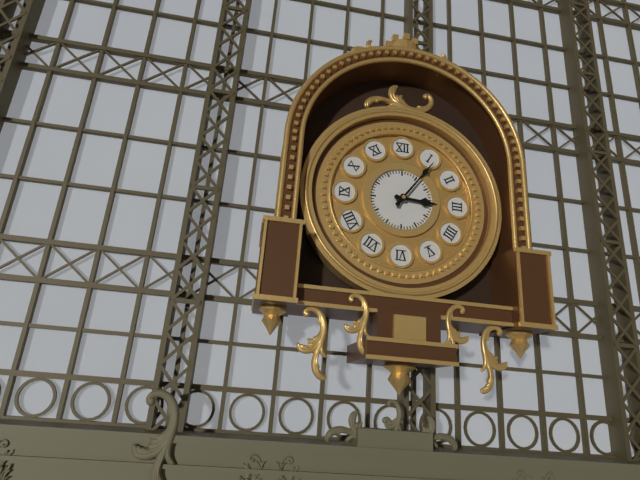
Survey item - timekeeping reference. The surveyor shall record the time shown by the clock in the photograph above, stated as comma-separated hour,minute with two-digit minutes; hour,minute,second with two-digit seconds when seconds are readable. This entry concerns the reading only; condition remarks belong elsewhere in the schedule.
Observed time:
3,06
